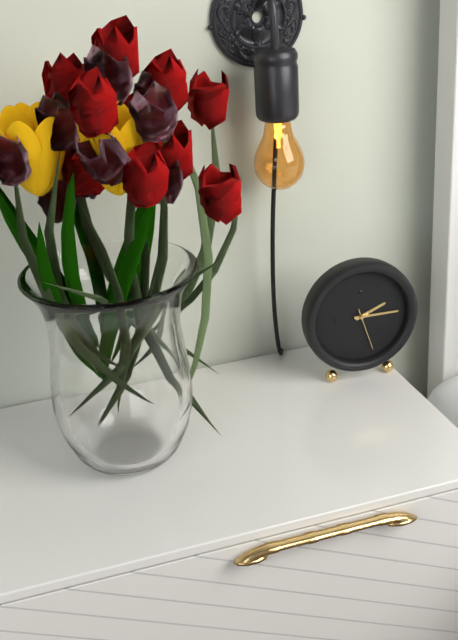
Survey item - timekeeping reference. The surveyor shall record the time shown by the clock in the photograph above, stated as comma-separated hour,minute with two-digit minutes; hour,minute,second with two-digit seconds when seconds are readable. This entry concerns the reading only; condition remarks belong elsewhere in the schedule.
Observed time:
2,15
